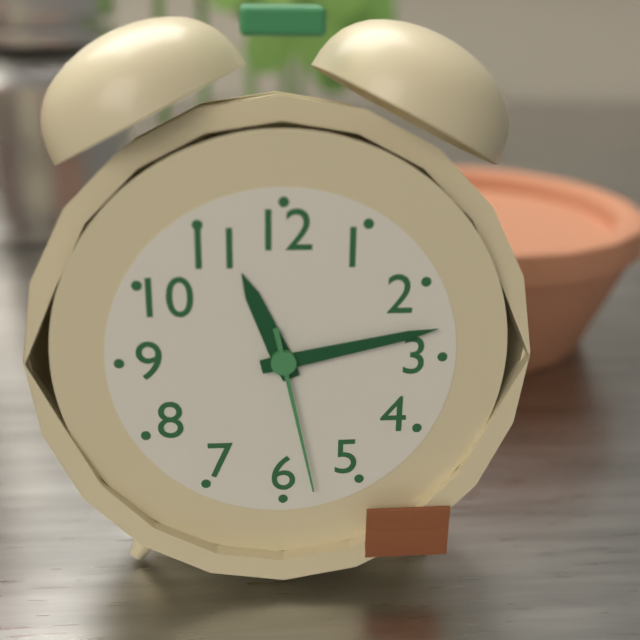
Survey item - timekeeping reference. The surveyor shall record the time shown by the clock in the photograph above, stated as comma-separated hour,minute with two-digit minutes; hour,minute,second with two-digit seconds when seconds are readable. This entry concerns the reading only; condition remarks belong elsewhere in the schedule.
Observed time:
11,13,28
